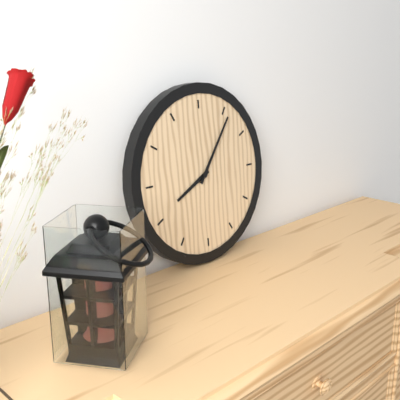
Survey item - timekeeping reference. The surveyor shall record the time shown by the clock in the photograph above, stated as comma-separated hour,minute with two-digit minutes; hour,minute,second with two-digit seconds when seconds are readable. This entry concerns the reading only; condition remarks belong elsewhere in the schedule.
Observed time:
8,06
